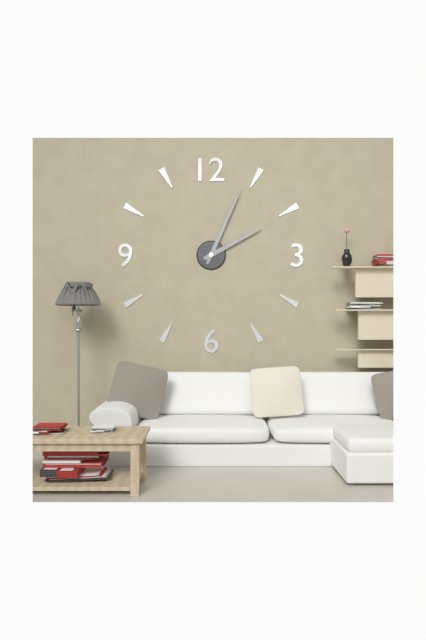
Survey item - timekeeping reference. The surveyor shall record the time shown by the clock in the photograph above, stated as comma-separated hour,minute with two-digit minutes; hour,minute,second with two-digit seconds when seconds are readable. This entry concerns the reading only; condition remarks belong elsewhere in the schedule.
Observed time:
2,04
